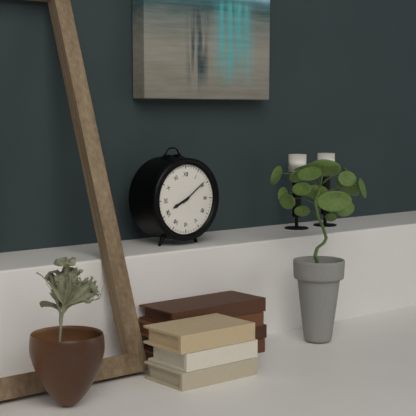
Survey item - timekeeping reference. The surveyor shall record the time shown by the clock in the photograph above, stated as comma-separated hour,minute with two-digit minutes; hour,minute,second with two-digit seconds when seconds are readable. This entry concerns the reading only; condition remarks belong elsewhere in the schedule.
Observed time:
8,09
